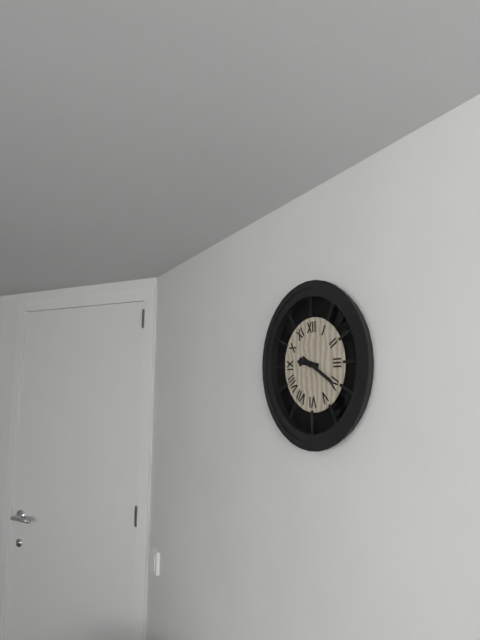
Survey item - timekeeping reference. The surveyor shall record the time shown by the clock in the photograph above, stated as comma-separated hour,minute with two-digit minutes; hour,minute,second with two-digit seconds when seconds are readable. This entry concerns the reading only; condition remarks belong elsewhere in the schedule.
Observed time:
9,20
